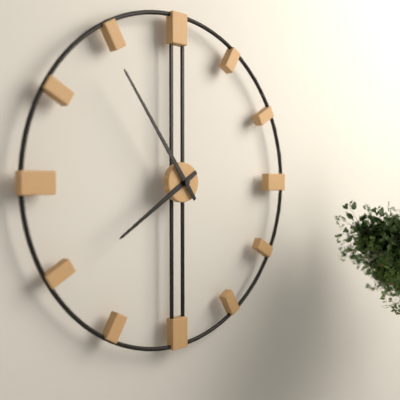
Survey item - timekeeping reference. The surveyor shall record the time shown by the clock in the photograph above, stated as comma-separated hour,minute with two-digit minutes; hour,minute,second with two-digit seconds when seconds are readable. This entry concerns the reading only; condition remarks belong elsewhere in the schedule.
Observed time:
7,54
